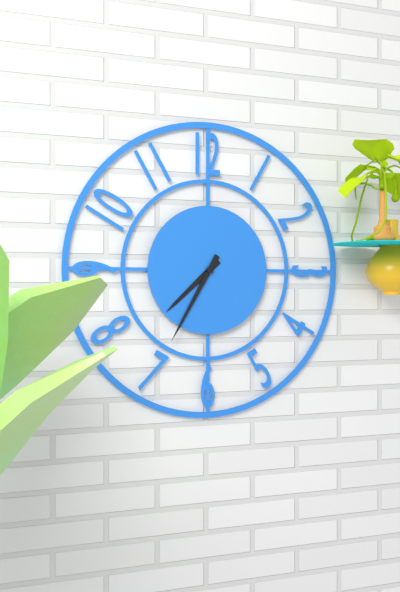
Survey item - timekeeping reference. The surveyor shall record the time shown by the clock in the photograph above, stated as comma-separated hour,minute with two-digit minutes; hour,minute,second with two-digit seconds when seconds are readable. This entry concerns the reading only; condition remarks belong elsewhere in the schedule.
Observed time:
7,35
